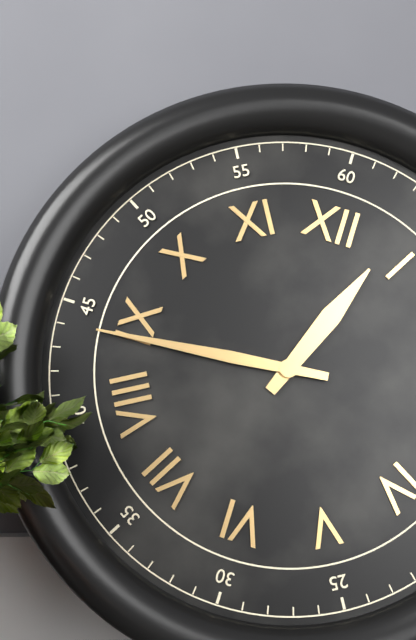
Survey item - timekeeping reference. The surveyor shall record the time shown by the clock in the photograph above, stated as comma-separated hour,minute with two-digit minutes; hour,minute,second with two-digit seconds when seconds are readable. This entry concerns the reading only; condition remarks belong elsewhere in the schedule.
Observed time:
12,44
